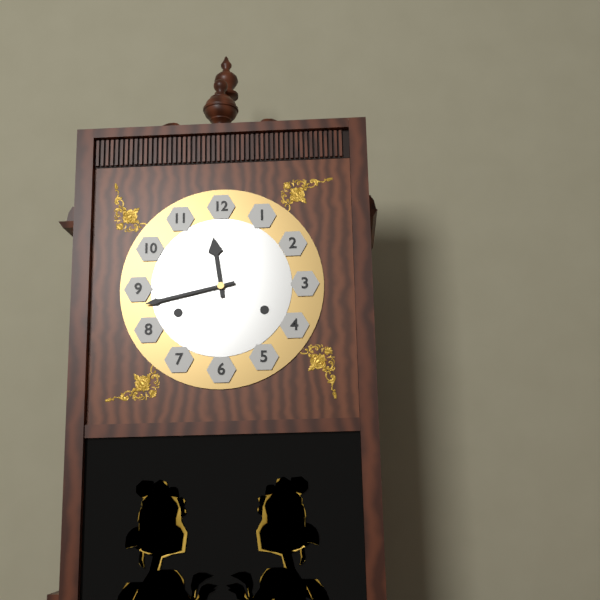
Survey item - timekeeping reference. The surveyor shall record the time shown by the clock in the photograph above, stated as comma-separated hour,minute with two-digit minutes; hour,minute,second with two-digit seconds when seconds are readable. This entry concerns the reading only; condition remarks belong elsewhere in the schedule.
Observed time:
11,43
